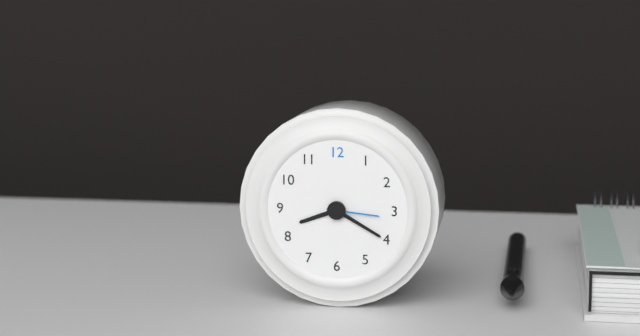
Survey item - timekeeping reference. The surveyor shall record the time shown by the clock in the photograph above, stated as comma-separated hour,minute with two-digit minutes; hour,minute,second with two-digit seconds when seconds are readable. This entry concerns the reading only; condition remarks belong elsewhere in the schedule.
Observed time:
8,20,16
